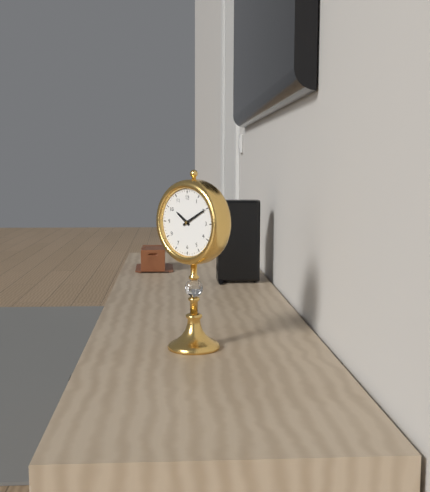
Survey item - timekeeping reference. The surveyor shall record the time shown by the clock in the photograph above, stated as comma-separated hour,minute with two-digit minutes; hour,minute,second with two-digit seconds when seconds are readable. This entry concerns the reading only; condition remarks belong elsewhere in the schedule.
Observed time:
10,10
